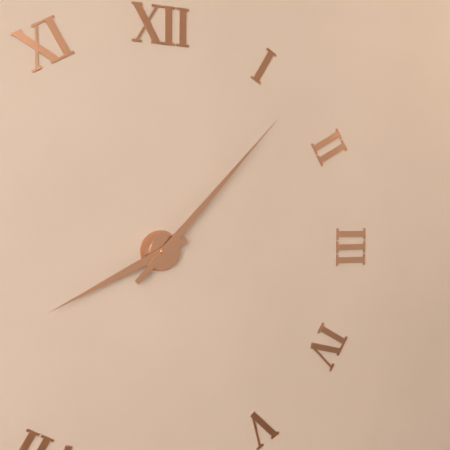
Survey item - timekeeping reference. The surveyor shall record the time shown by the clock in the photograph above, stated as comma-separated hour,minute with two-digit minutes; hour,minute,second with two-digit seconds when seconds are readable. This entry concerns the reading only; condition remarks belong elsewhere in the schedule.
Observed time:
8,07
